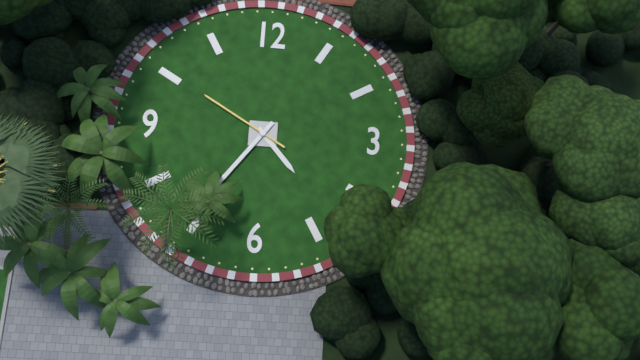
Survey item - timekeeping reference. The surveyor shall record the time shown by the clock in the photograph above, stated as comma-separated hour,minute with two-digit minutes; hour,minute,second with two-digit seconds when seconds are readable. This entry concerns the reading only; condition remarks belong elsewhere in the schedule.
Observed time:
4,36,50
